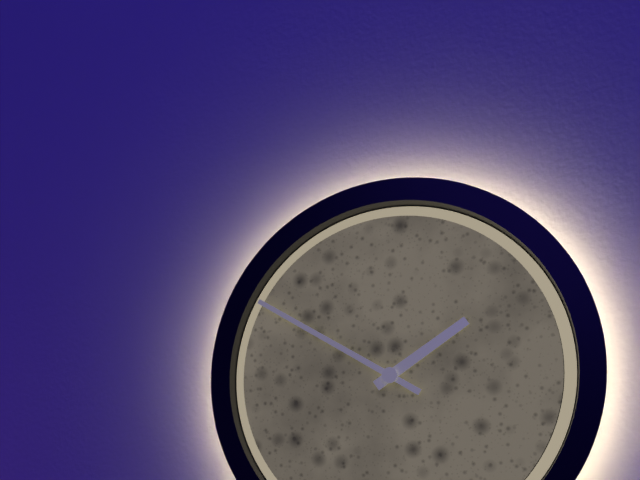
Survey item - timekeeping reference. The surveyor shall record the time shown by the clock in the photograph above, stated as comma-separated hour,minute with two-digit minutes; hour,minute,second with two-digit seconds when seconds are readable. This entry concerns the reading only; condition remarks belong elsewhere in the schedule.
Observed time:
1,50
